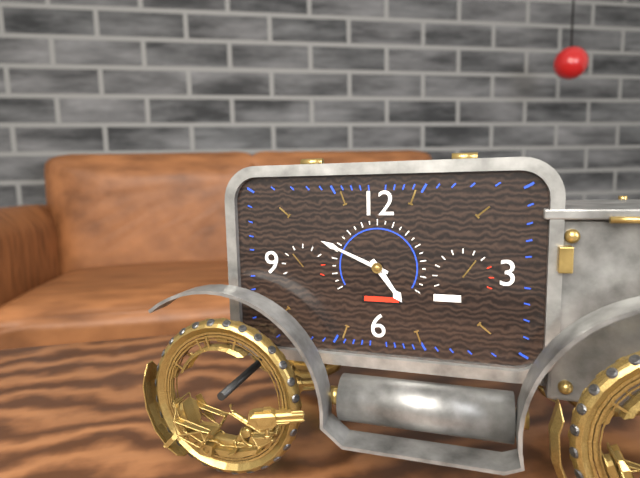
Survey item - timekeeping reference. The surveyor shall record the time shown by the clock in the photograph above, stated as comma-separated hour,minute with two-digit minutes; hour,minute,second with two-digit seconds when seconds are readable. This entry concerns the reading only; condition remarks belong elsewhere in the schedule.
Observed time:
4,49
